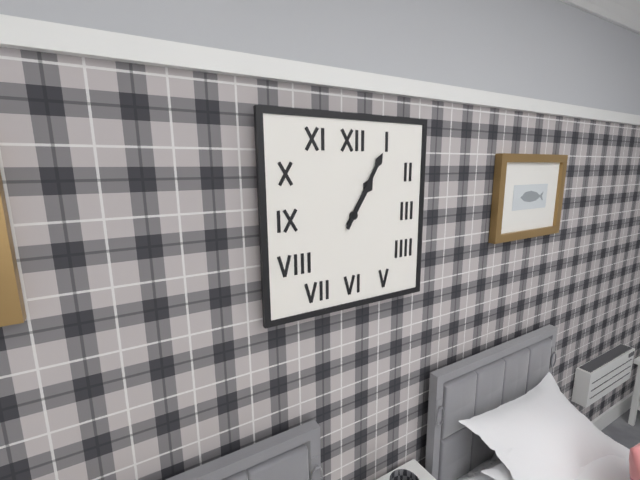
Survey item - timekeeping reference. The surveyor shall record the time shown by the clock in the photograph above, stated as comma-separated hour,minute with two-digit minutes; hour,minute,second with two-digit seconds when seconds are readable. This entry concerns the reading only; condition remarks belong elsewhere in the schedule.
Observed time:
1,05
